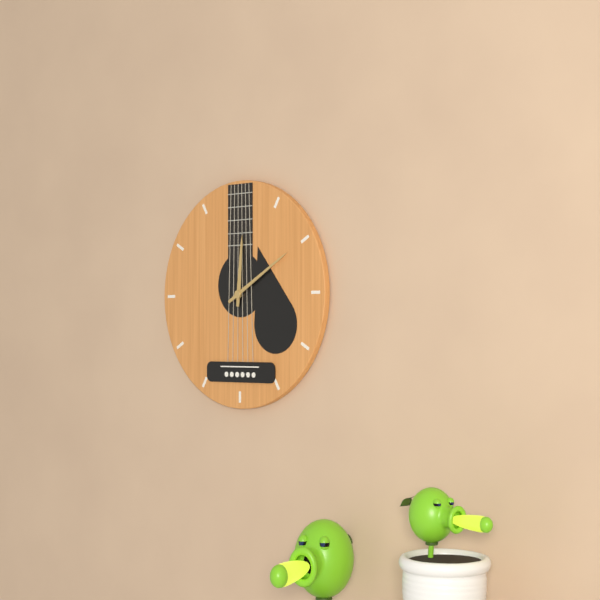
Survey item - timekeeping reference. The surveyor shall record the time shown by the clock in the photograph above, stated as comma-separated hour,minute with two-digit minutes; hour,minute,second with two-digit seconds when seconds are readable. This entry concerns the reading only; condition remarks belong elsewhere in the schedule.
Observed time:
12,10
